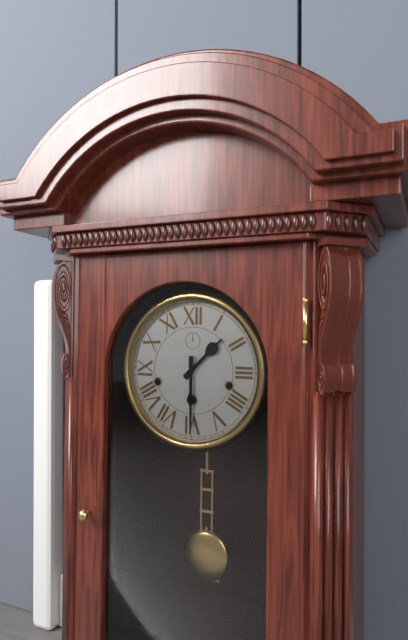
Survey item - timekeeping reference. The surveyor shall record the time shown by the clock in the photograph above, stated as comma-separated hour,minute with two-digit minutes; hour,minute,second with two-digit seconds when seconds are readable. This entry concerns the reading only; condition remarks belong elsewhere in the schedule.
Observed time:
1,30
